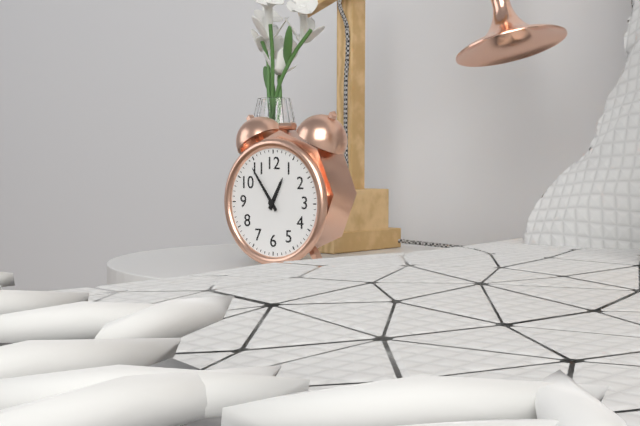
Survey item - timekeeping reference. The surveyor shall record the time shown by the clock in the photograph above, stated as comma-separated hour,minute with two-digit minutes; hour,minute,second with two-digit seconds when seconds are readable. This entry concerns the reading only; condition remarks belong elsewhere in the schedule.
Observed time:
12,54
